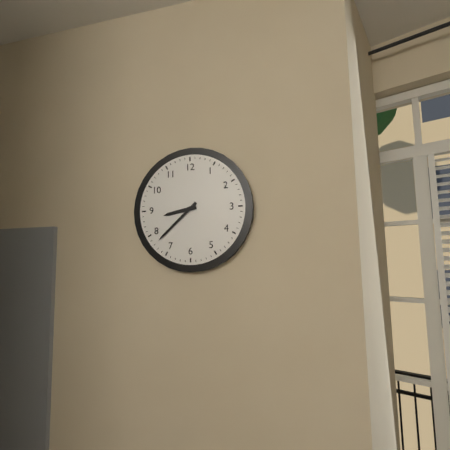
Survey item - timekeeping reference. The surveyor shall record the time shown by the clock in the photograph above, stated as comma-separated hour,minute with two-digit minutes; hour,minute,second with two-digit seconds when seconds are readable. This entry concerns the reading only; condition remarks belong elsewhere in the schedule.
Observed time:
8,38
